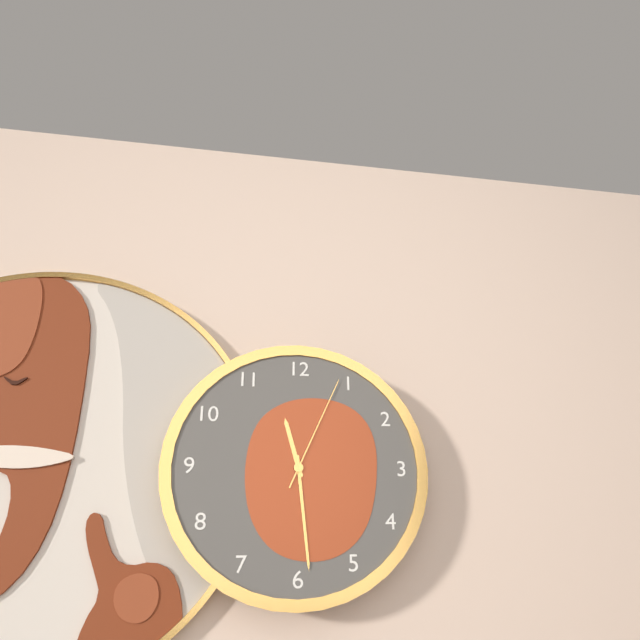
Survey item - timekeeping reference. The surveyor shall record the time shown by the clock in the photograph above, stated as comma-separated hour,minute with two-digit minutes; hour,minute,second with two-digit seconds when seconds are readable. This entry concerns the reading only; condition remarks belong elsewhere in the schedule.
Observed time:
11,29,04
